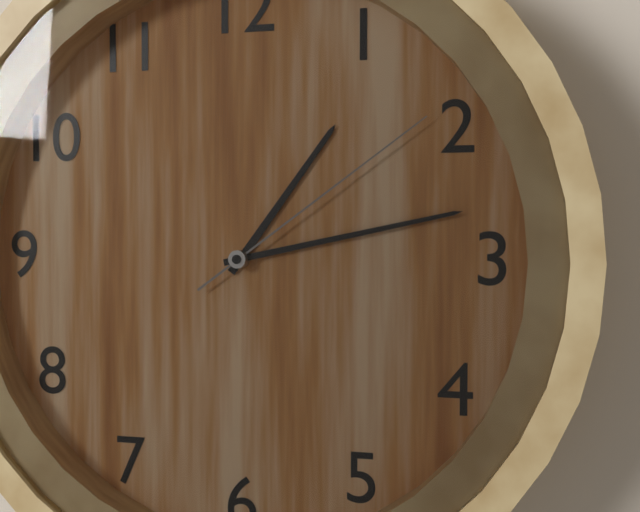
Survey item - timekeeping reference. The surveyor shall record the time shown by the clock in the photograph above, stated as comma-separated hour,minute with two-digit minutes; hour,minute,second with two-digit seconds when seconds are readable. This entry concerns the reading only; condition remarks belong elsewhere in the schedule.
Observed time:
1,13,09
